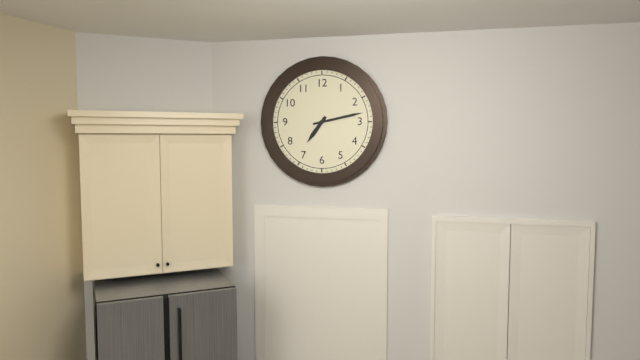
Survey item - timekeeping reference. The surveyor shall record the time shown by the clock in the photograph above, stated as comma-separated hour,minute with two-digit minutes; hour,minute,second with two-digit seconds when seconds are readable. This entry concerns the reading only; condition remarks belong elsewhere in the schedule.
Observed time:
7,13
